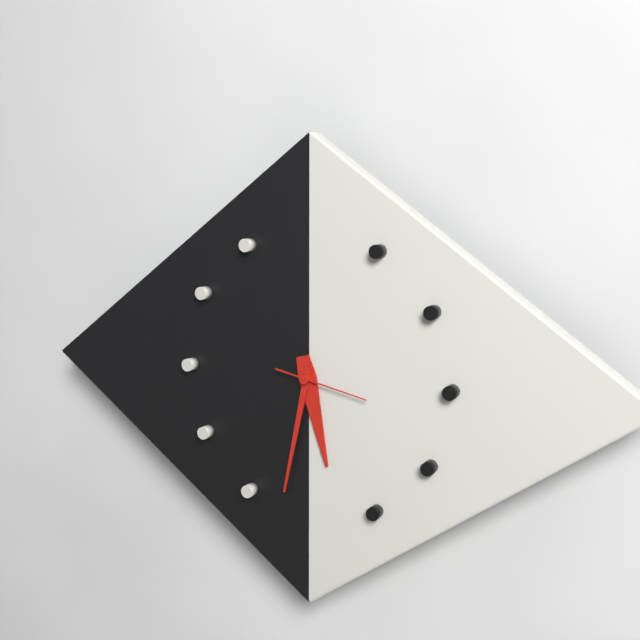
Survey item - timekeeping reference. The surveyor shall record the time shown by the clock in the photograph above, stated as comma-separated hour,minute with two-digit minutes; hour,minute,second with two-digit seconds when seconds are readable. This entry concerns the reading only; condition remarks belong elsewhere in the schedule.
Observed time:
5,32,17
